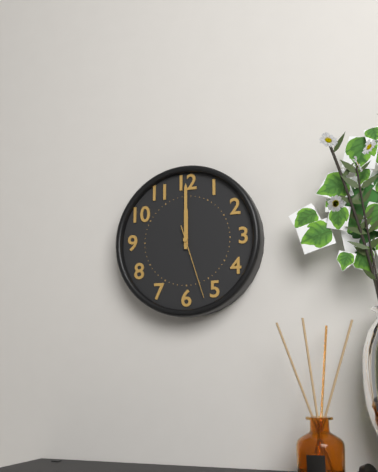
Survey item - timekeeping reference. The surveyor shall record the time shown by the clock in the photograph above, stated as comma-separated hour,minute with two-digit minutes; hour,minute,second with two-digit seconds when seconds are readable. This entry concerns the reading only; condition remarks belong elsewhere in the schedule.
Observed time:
12,00,27
